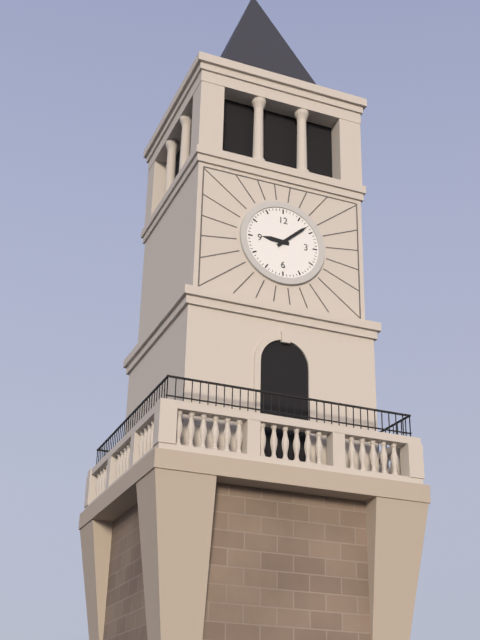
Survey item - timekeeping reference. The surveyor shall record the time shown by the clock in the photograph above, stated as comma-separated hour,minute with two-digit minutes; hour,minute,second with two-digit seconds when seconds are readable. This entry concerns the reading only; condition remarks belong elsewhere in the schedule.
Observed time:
9,08
